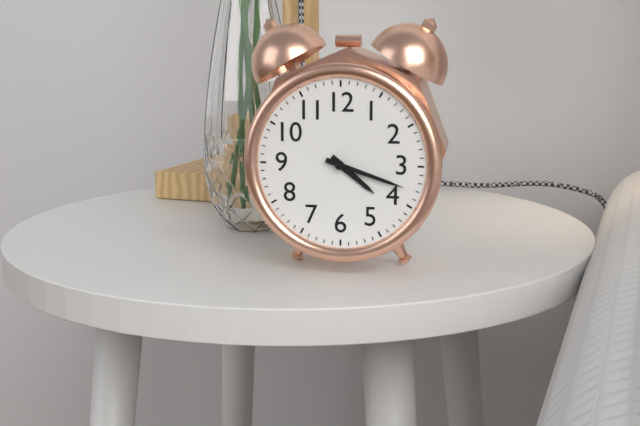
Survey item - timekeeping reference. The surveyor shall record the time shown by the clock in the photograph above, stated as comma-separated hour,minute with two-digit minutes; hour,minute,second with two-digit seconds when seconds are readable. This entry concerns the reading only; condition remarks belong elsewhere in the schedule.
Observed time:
4,18
